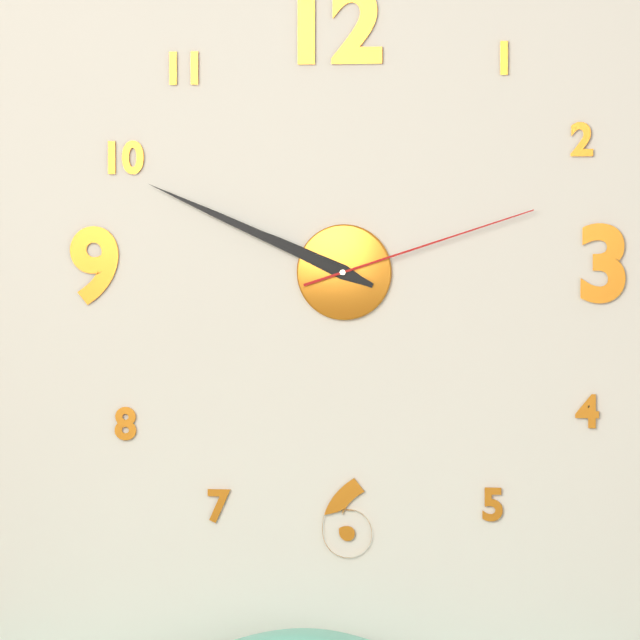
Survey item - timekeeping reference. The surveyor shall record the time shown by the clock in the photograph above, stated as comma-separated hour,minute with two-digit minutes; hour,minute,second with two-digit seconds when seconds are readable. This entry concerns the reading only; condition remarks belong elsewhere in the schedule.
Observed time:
9,49,12
